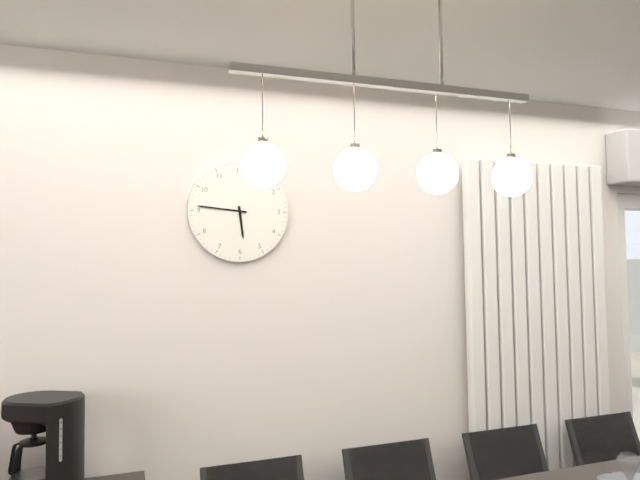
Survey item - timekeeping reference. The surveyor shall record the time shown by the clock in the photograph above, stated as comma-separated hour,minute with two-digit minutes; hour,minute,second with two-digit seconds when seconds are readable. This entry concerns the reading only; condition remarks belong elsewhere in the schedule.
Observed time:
5,46
